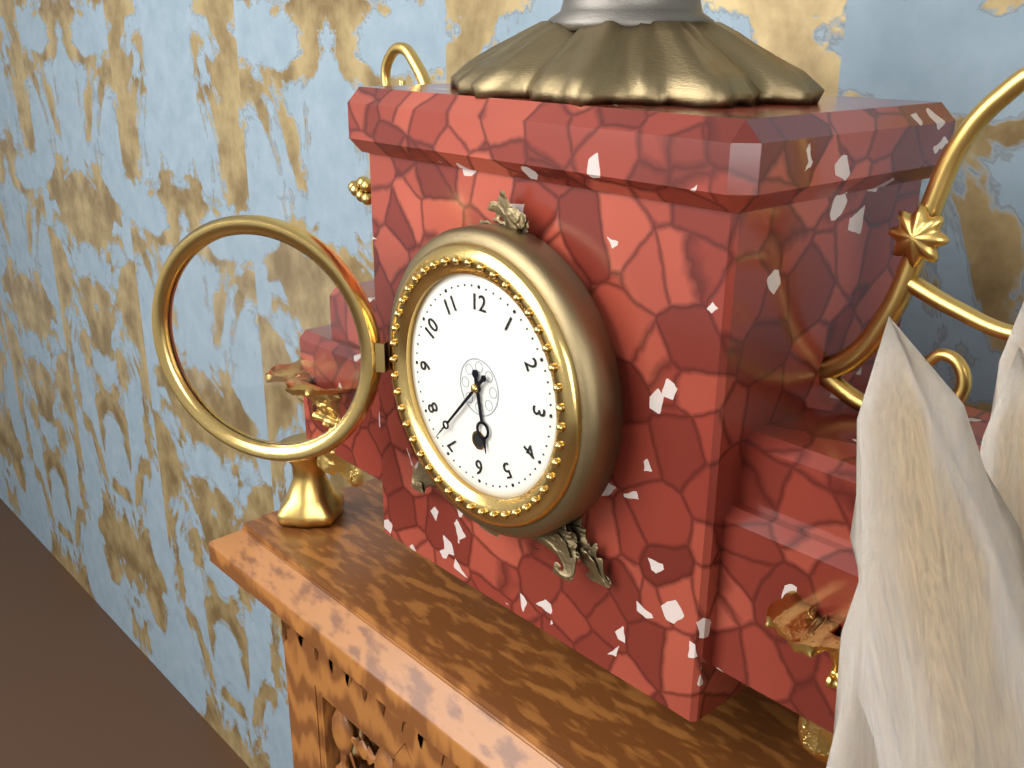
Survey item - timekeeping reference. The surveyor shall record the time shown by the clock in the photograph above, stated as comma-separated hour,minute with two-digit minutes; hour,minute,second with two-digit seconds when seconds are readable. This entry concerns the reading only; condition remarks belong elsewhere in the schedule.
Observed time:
5,37
